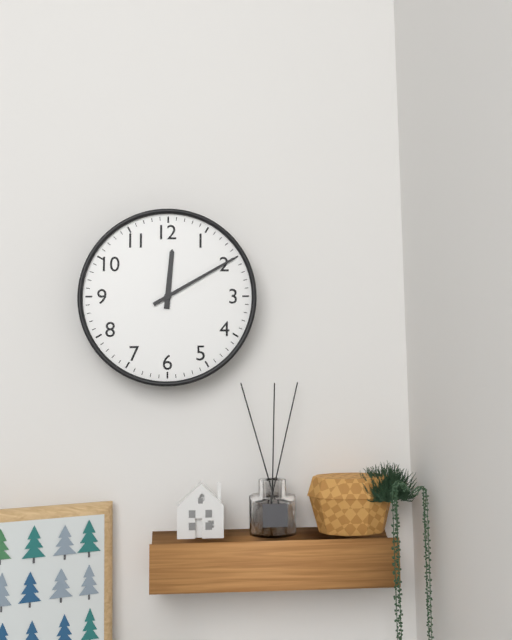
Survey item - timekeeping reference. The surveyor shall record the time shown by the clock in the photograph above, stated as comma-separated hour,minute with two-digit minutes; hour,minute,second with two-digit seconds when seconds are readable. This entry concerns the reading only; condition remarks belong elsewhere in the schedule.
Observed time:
12,10
